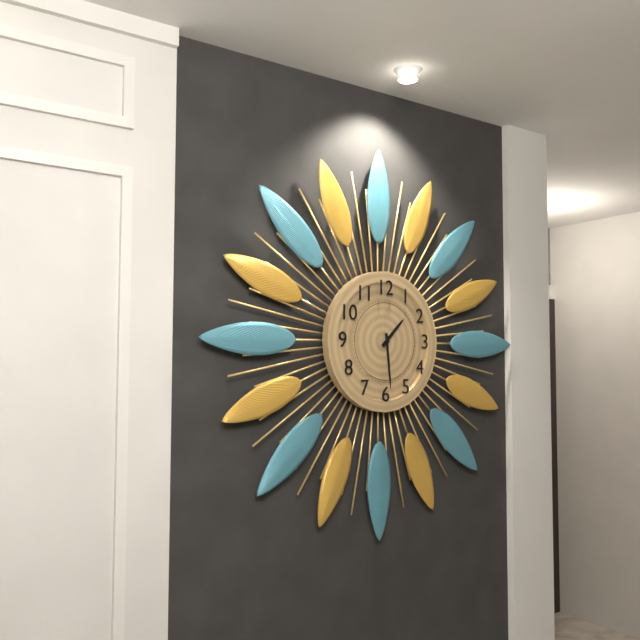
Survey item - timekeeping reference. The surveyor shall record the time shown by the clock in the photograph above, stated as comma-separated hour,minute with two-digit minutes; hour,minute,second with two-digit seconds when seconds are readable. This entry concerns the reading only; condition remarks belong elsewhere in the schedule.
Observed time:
1,29
